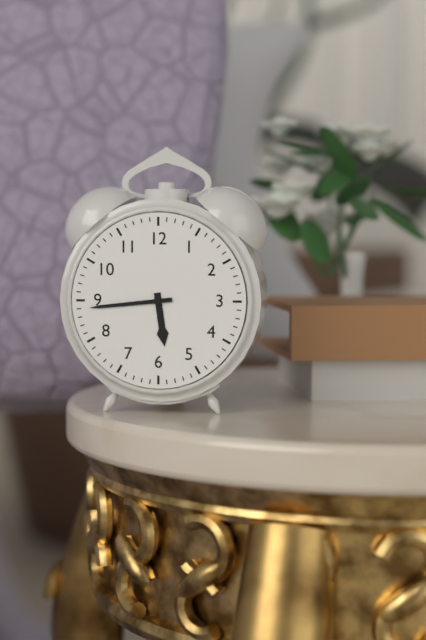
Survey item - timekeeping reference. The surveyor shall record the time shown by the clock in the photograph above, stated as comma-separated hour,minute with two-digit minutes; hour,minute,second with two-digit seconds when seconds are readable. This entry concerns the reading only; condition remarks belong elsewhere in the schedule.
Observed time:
5,44
